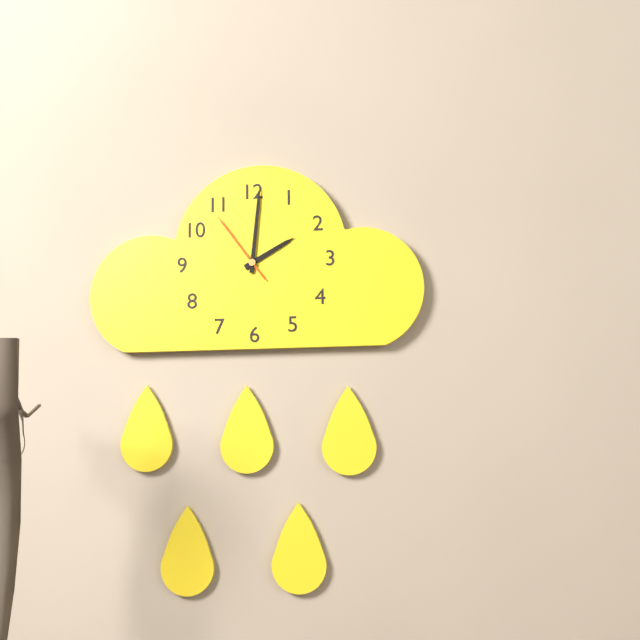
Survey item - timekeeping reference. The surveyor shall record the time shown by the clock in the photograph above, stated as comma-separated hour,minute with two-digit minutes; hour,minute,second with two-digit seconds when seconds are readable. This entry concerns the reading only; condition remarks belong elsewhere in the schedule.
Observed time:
2,01,54
